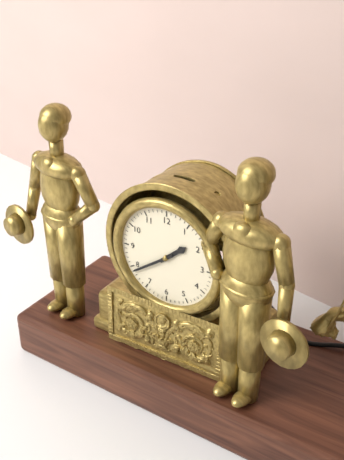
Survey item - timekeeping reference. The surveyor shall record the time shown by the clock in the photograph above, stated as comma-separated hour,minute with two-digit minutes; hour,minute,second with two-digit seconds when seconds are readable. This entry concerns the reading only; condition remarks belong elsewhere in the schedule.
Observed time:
1,39
